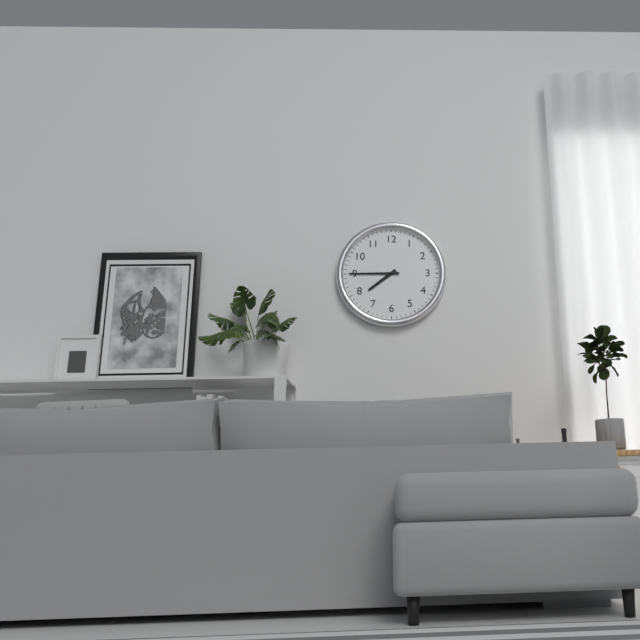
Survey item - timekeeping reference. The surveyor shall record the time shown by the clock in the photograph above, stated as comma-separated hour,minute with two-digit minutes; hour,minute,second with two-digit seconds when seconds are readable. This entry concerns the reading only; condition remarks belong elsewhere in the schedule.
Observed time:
7,45
